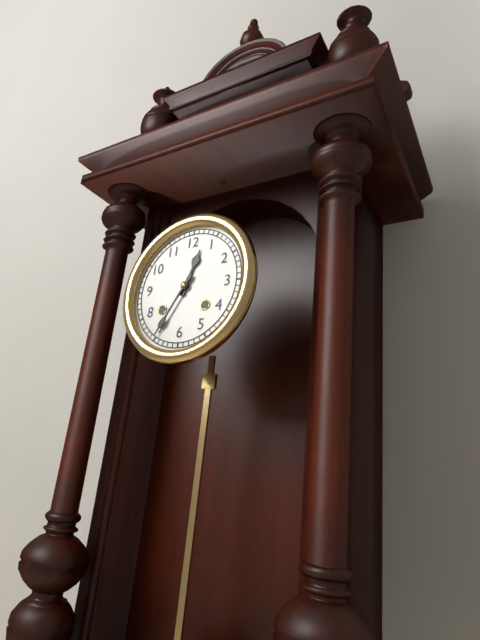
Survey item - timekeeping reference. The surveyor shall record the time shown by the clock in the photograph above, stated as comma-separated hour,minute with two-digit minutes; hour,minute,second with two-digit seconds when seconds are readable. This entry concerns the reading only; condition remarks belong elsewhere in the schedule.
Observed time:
12,35
